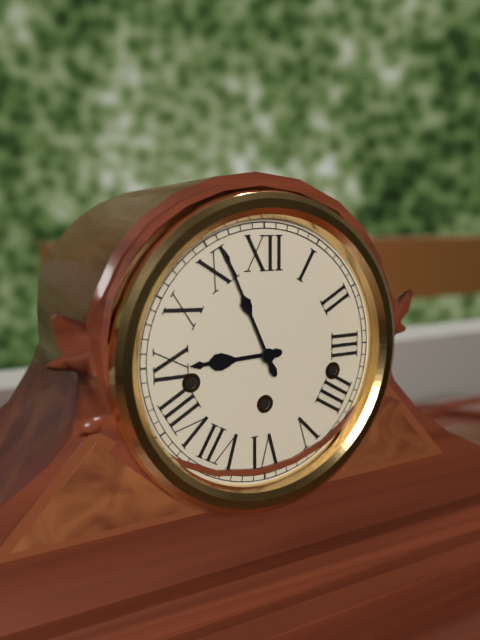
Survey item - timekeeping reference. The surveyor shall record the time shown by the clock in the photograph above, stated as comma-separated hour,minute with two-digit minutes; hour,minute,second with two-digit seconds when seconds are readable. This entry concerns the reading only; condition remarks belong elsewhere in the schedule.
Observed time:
8,56
